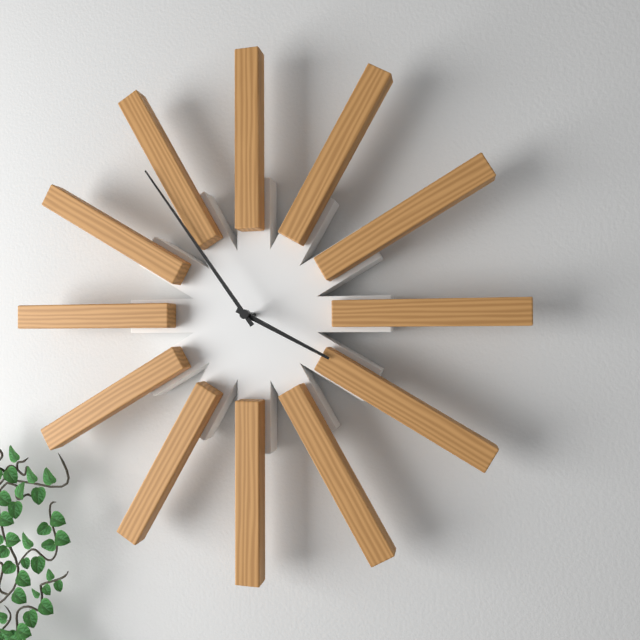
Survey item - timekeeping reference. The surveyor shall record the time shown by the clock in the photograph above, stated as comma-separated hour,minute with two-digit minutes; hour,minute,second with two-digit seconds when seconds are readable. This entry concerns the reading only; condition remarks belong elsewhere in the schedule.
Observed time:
3,54
